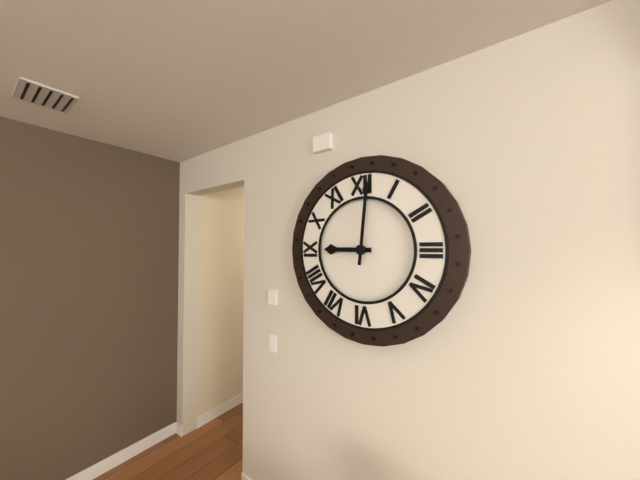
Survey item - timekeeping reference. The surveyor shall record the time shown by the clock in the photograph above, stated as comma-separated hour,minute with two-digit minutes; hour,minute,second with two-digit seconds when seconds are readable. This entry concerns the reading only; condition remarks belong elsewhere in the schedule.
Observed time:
9,01
